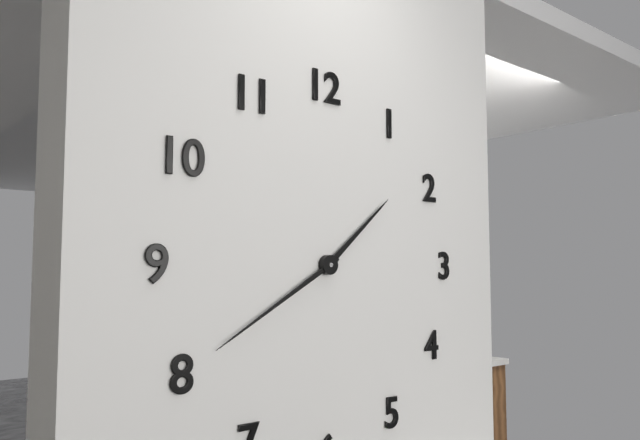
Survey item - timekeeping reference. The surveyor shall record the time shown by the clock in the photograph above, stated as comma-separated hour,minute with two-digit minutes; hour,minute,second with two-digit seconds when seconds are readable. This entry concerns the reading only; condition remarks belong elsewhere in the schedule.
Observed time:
1,40
